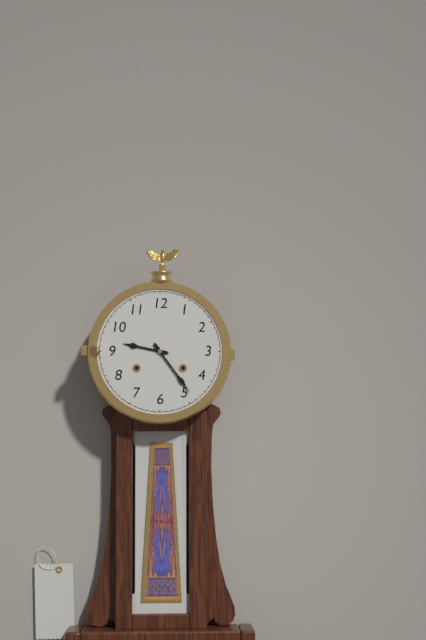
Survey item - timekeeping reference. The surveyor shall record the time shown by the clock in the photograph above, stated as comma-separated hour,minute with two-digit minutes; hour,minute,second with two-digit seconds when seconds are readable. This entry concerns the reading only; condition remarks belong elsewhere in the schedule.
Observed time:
9,24
